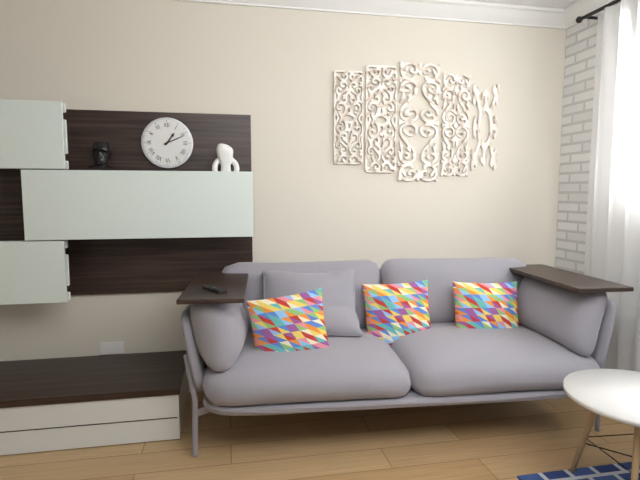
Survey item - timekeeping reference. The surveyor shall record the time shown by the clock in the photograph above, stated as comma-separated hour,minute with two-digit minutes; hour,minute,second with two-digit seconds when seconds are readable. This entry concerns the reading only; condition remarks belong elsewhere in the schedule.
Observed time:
1,11
